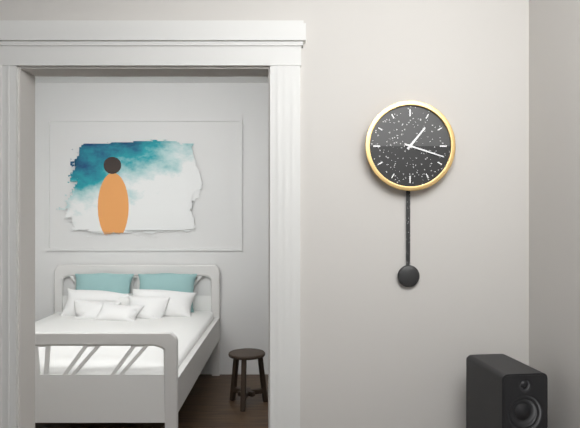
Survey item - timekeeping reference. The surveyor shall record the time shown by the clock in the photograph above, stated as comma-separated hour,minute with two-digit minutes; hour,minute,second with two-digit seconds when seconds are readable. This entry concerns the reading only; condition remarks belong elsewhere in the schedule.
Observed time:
1,18
